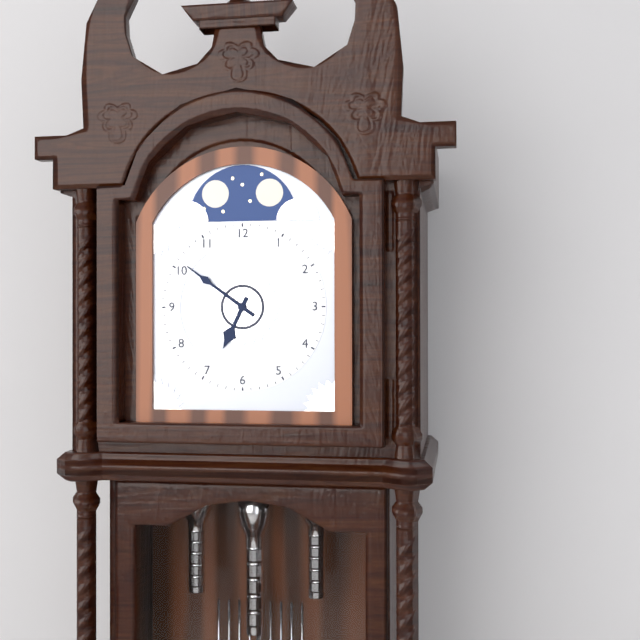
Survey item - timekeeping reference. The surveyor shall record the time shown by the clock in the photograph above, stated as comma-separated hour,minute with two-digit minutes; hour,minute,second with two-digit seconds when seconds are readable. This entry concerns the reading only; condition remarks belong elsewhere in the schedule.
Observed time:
6,51
